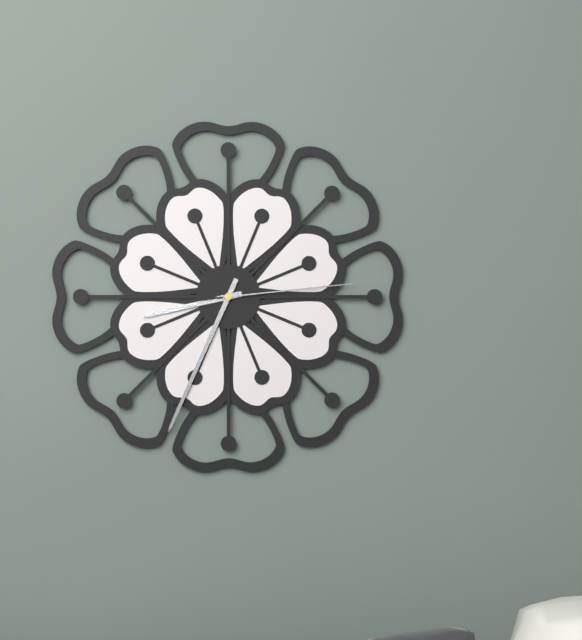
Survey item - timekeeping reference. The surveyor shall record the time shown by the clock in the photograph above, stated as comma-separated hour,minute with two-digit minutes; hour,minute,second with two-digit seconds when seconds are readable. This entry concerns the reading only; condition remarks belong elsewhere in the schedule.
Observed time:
8,34,14
